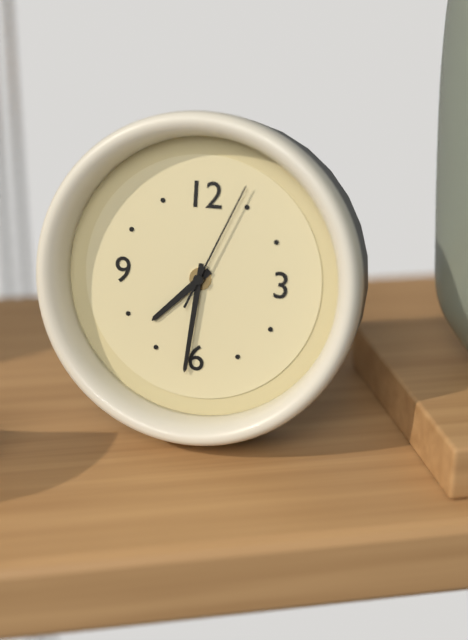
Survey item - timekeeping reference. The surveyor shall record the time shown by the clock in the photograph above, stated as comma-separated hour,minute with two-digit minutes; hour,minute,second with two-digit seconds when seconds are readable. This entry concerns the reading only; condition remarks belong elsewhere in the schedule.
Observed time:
7,31,04
